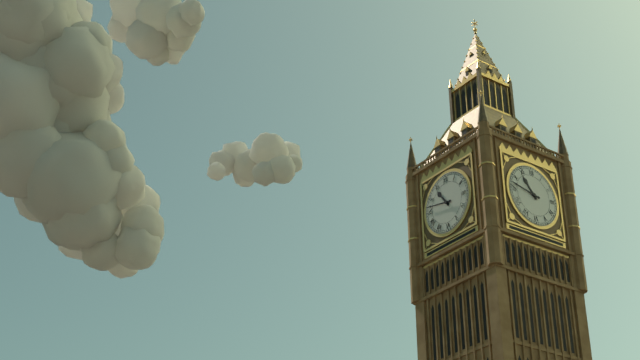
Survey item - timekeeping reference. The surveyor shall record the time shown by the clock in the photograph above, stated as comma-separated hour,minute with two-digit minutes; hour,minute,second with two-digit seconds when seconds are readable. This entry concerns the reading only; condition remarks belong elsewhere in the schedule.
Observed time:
10,47
